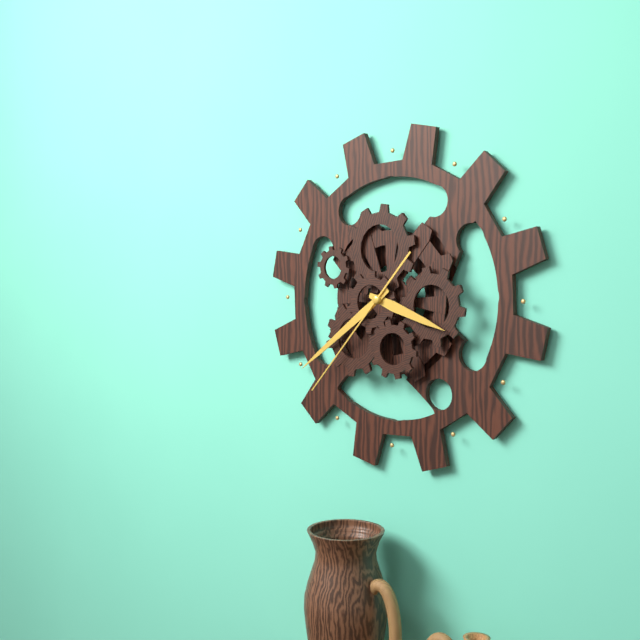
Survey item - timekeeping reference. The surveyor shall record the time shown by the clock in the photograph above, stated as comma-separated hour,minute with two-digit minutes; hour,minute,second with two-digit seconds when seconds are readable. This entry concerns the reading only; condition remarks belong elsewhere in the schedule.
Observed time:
3,39,37
